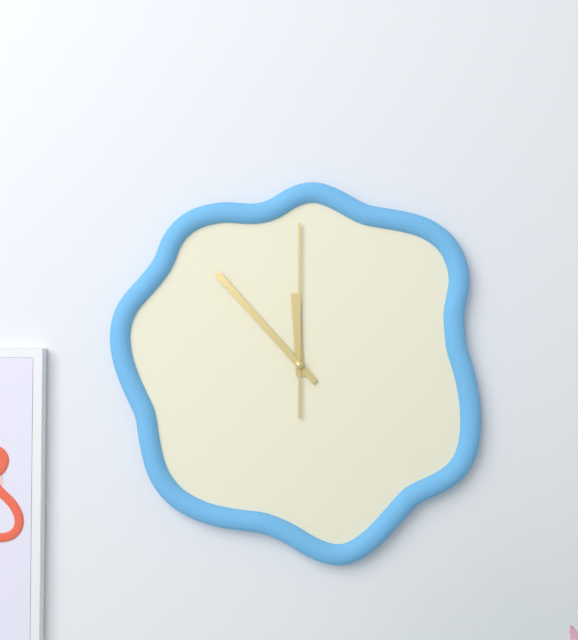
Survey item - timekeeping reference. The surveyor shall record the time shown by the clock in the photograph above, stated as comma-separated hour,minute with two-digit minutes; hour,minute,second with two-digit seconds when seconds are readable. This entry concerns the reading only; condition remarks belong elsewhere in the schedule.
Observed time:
11,53,00
